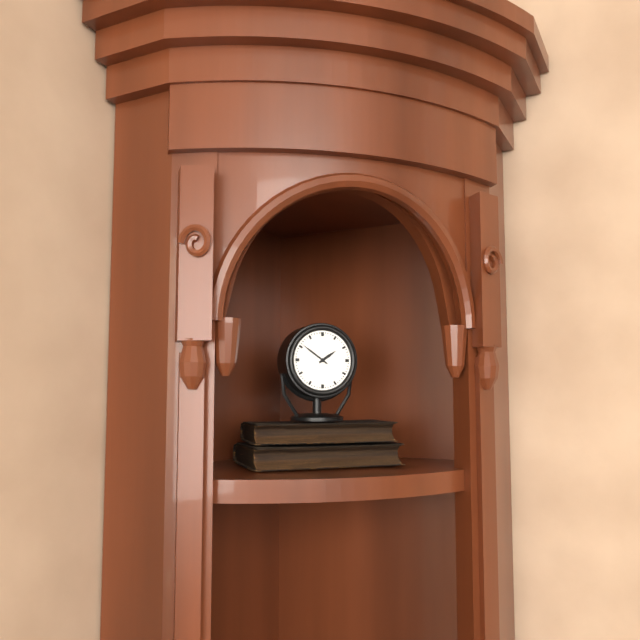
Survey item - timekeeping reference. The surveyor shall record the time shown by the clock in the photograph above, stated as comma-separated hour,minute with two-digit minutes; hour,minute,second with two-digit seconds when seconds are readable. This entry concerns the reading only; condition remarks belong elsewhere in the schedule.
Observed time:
1,51
